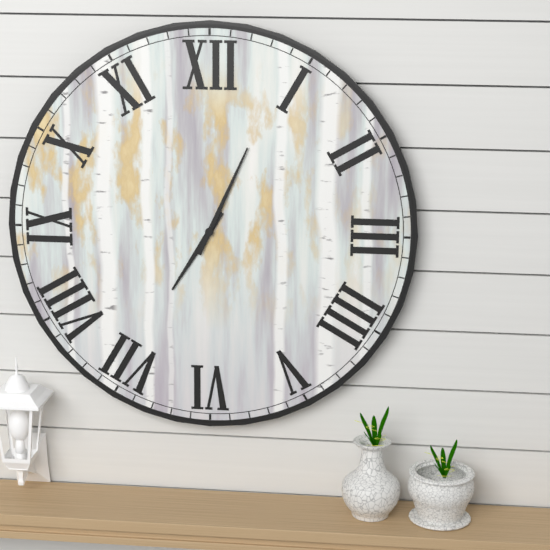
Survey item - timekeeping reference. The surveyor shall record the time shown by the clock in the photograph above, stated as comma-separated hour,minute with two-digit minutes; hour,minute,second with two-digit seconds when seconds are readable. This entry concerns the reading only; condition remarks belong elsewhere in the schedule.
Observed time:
7,04
